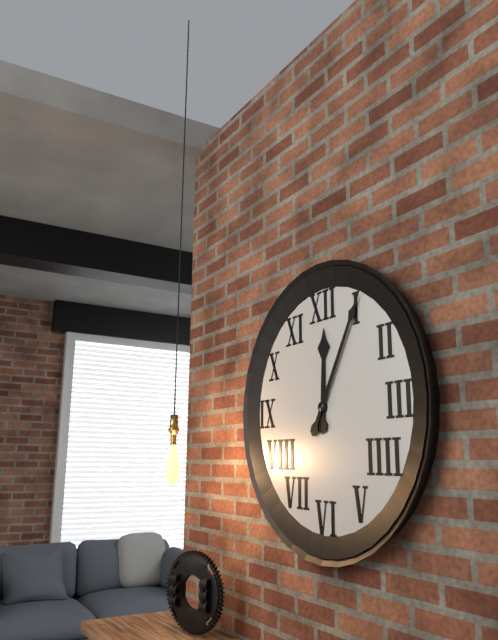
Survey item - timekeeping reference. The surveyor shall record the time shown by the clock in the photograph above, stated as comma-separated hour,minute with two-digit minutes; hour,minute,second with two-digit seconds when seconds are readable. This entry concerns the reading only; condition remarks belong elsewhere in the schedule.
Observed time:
12,05
